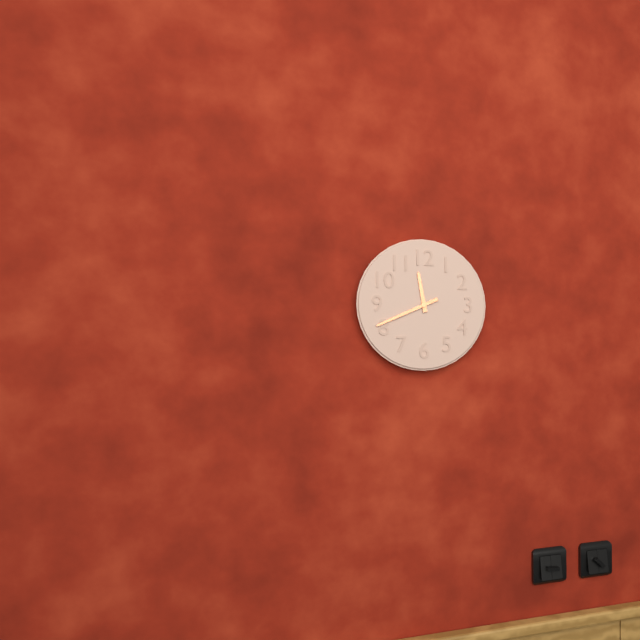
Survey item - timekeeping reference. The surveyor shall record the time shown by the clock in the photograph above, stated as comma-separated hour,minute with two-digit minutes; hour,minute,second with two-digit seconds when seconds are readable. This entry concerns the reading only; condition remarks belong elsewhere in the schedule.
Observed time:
11,41
